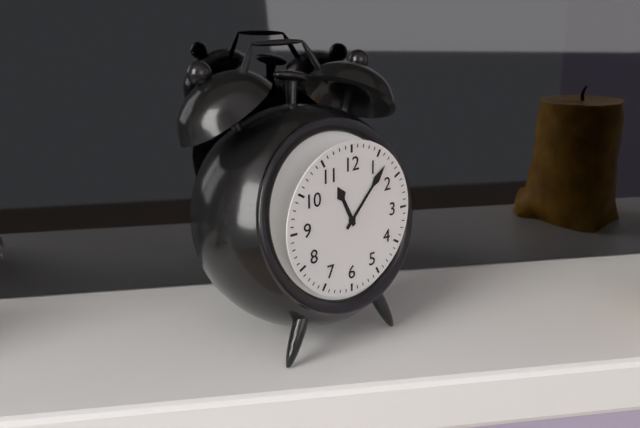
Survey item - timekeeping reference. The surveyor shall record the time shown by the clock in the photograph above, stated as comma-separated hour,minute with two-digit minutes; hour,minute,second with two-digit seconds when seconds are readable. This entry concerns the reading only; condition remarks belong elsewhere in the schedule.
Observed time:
11,07
